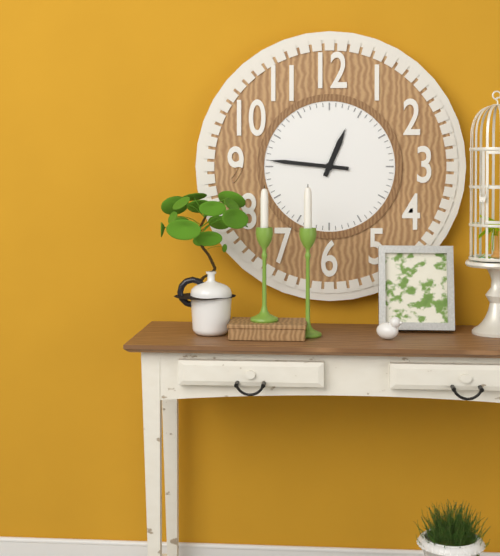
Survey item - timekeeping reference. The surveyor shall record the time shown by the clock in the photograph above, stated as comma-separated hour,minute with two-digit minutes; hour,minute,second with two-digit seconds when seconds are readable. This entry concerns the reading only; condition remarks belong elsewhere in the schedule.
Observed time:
12,46
